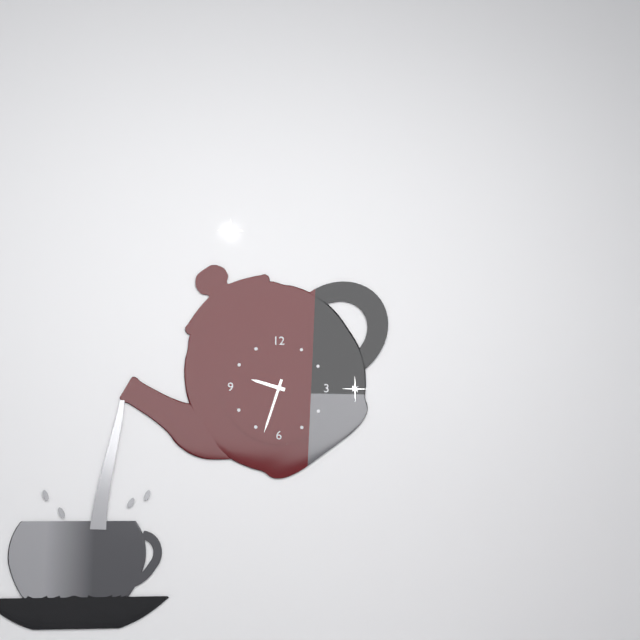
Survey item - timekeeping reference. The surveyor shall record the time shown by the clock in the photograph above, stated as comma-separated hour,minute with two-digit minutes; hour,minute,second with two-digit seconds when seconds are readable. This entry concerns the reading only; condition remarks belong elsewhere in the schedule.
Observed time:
9,33
